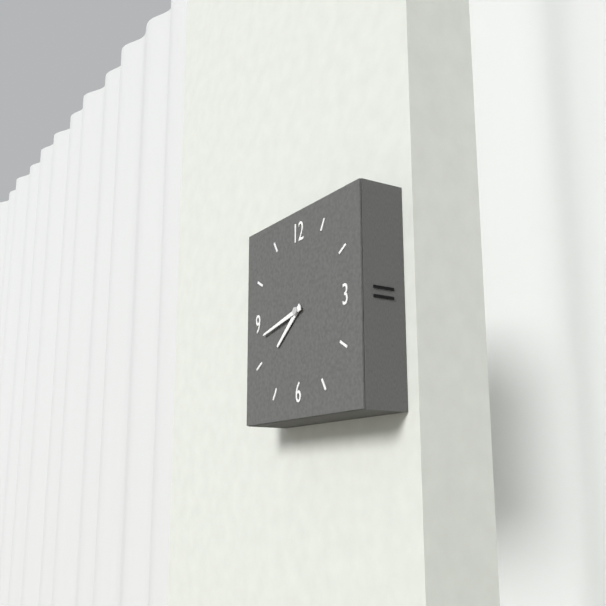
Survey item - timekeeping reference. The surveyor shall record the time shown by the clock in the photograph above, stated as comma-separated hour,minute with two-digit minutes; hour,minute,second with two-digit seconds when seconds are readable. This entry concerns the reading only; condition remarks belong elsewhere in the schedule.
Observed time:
7,43
